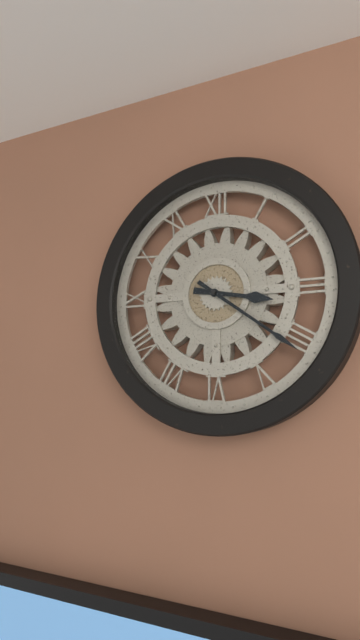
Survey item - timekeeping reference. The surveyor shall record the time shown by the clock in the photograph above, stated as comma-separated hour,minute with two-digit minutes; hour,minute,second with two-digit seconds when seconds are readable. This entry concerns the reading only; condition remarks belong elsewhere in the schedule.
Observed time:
3,21
